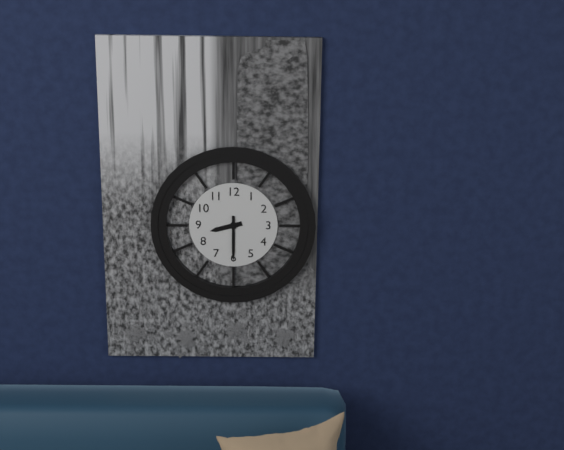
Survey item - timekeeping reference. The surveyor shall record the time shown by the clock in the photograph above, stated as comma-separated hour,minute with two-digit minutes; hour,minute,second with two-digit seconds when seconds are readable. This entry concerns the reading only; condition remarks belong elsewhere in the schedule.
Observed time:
8,30
